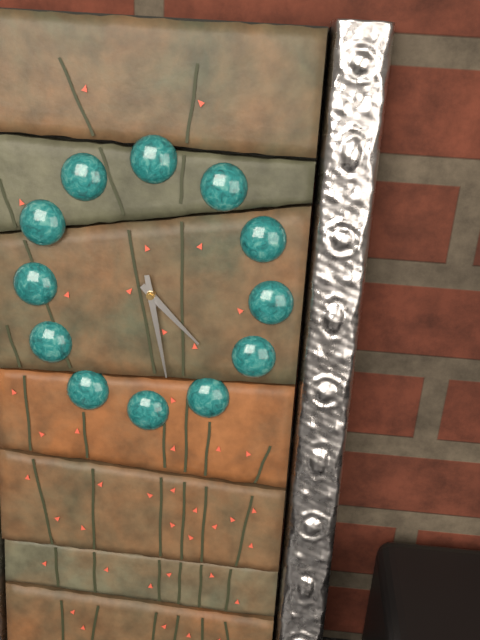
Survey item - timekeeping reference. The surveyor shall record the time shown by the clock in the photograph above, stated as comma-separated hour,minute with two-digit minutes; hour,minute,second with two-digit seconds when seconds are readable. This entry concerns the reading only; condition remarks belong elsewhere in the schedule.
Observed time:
4,28
